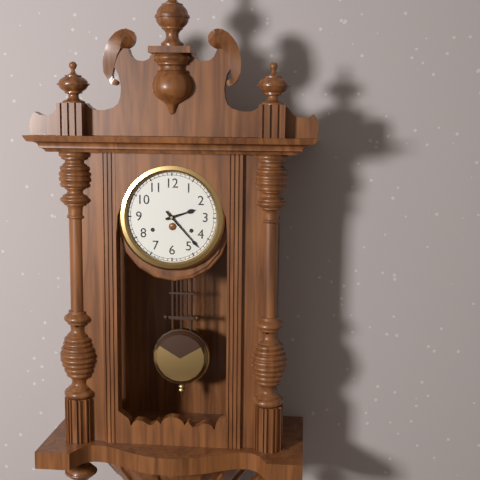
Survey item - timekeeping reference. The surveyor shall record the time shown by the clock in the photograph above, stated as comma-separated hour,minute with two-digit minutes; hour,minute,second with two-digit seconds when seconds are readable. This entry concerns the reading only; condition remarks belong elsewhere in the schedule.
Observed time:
2,23
